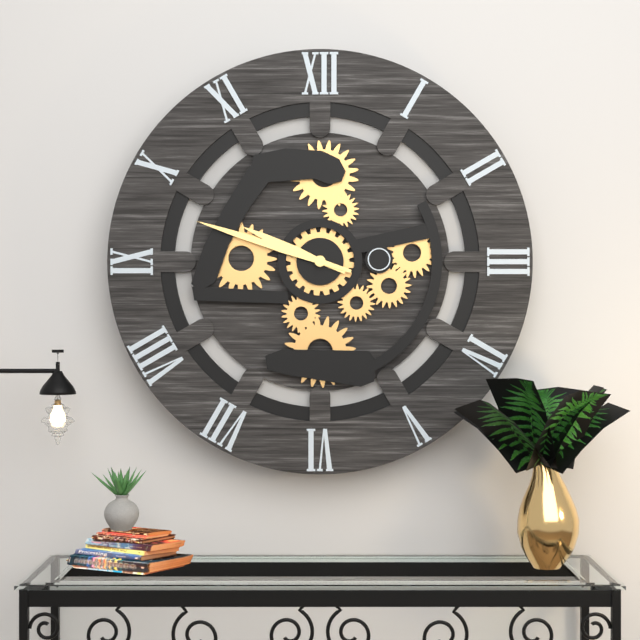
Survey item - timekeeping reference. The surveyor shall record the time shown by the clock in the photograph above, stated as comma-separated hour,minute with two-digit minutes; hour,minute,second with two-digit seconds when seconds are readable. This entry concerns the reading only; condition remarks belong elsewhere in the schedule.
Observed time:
9,48
